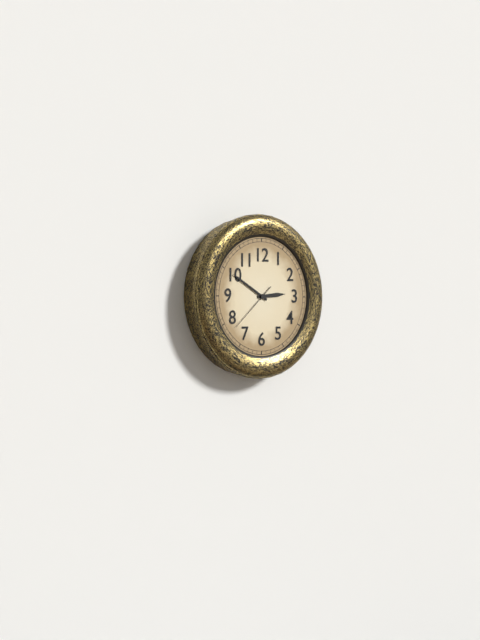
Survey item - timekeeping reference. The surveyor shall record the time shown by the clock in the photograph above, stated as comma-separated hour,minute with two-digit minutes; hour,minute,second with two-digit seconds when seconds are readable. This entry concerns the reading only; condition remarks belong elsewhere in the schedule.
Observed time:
2,50,38
